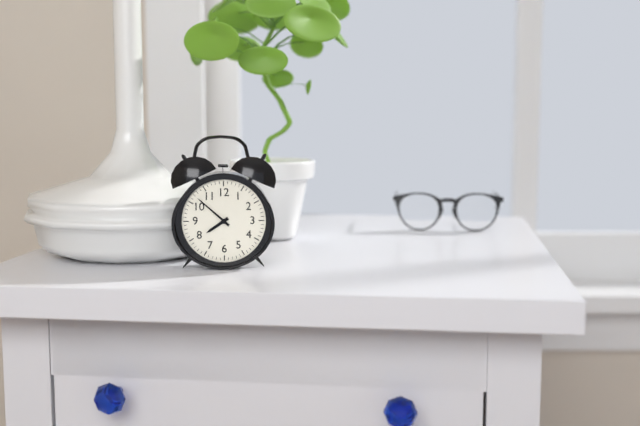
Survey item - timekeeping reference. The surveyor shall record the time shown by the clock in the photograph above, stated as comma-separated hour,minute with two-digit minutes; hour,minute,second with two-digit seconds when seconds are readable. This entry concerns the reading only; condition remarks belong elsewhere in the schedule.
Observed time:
7,52
